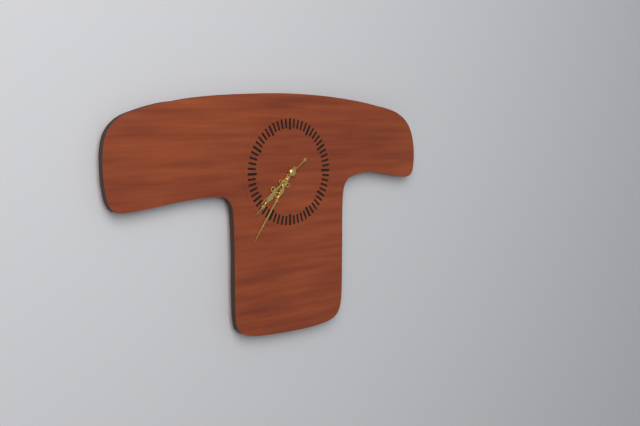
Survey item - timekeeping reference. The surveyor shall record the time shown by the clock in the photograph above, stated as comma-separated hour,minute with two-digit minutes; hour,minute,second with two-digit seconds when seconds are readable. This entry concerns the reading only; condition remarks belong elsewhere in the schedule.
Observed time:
7,36,39
